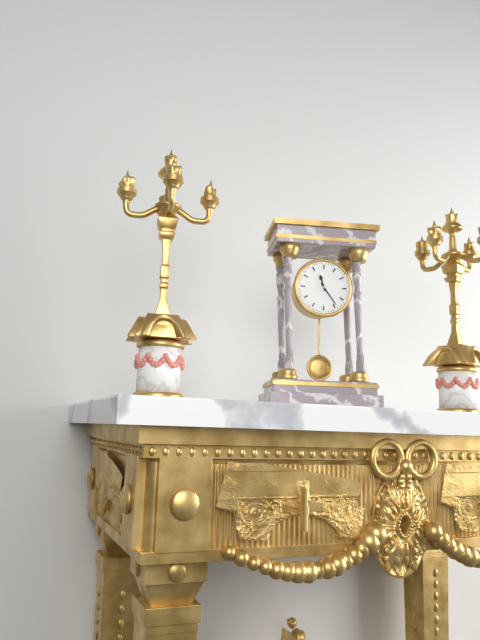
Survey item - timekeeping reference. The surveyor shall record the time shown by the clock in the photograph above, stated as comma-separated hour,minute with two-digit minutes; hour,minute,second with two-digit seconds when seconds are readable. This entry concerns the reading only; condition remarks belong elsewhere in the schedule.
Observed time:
11,24
